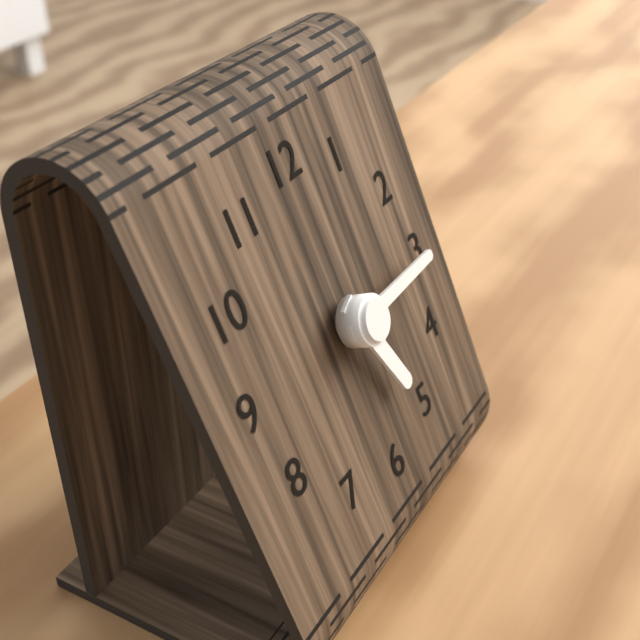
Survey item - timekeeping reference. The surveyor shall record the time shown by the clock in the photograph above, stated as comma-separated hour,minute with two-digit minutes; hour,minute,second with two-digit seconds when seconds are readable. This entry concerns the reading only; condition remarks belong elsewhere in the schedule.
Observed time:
5,15
